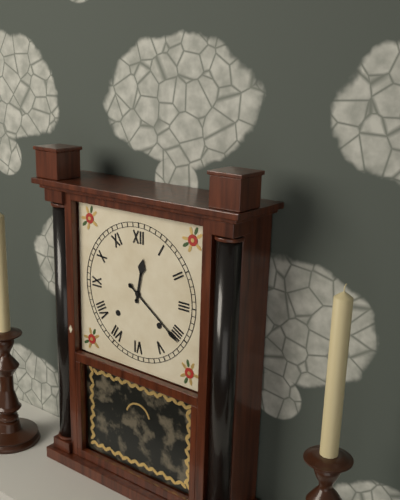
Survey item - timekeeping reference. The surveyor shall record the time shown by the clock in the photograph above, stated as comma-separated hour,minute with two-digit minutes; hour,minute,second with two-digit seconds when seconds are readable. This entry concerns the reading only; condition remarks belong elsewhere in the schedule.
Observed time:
12,21
